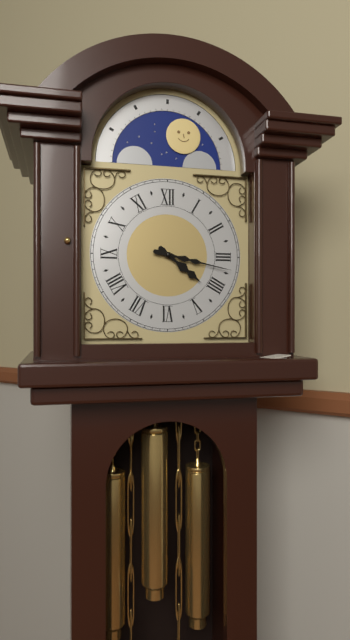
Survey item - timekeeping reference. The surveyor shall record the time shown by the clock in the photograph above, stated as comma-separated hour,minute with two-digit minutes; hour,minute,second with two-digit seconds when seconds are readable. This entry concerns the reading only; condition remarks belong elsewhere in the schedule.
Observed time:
4,17
